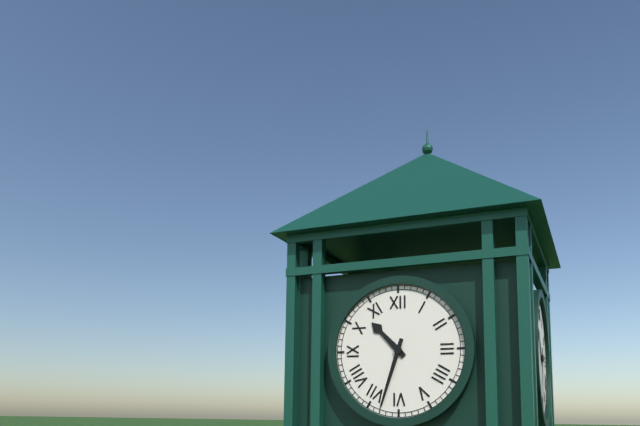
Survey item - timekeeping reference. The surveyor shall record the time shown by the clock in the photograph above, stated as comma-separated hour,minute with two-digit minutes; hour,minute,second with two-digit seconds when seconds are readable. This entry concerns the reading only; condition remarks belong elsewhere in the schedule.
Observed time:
10,33
